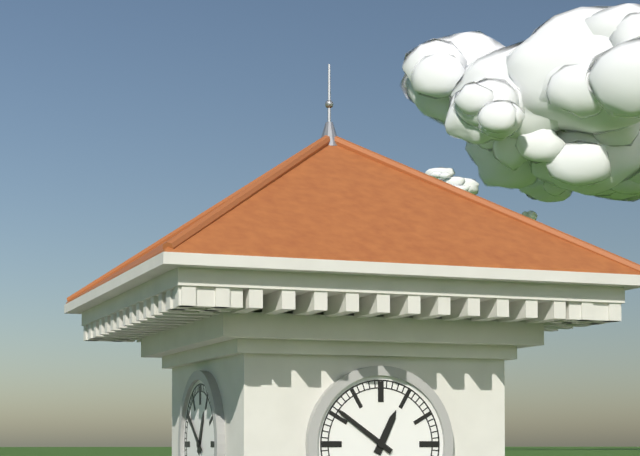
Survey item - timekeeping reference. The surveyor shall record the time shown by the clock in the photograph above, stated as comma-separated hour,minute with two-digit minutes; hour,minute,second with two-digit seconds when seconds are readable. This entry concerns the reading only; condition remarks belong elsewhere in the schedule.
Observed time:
12,51
